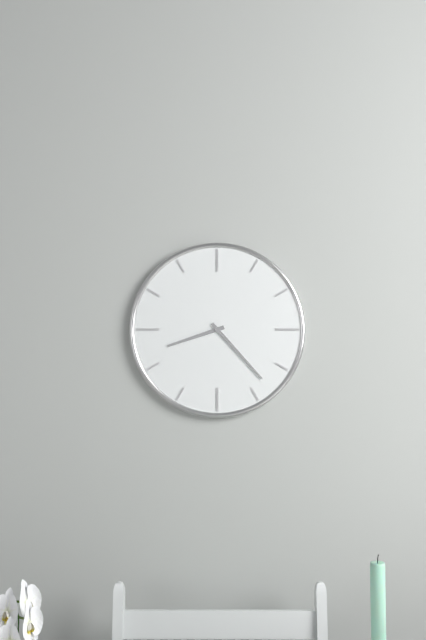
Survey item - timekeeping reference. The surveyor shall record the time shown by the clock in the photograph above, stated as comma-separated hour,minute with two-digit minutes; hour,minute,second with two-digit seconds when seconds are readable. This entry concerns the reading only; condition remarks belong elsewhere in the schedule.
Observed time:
8,23
